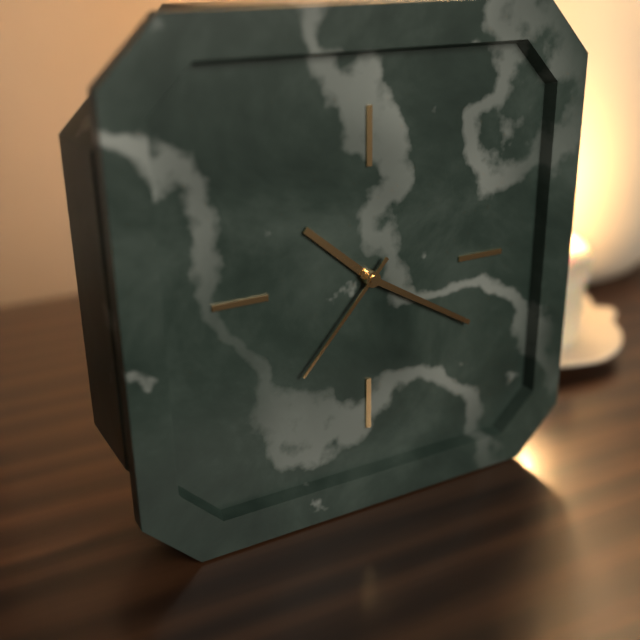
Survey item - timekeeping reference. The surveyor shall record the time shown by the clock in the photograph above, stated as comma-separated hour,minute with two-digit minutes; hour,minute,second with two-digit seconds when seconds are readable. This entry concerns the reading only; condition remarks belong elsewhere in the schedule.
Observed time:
10,20,37
